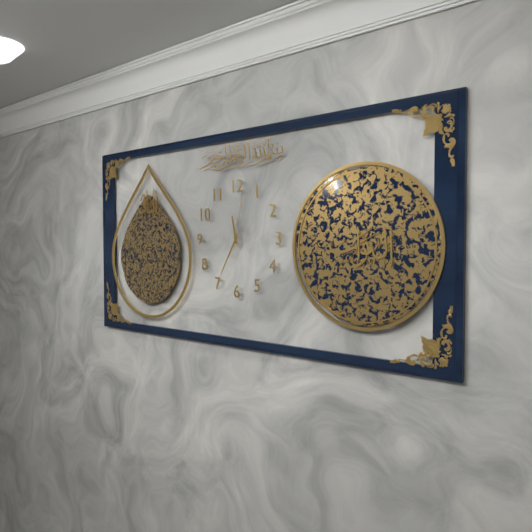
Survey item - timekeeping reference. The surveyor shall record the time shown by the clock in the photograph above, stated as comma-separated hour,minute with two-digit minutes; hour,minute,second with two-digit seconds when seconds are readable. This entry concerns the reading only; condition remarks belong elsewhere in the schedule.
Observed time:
11,35,02
